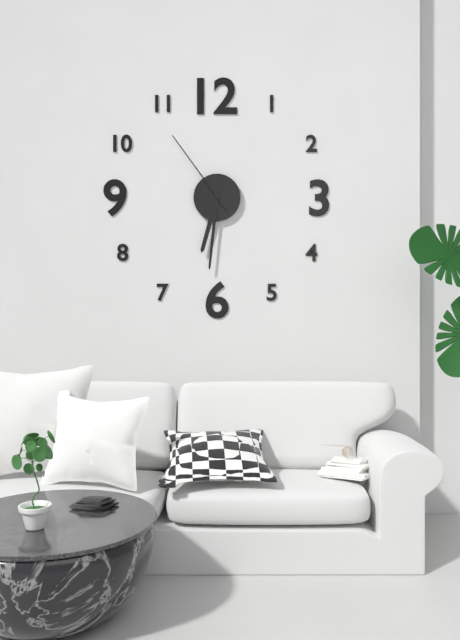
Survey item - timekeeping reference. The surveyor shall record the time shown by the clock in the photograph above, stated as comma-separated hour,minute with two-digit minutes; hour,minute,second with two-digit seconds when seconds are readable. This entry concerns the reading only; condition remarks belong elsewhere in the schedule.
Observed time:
6,31,54
